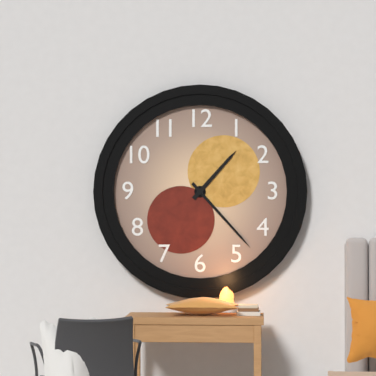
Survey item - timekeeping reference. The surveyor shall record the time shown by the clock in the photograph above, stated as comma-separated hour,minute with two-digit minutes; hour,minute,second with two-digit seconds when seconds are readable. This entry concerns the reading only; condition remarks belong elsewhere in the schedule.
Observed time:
1,23
